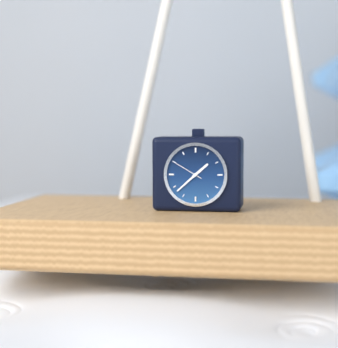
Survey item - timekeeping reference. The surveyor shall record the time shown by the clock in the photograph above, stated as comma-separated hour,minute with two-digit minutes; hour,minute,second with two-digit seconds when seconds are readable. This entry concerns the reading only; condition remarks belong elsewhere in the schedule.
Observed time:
1,38
